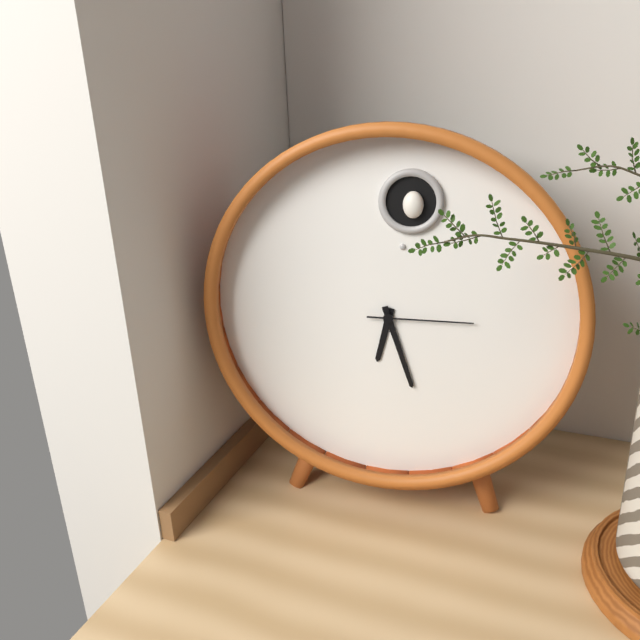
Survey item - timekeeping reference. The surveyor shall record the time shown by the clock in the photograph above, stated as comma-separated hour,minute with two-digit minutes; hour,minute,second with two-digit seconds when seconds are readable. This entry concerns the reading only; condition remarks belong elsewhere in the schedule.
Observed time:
6,27,15
